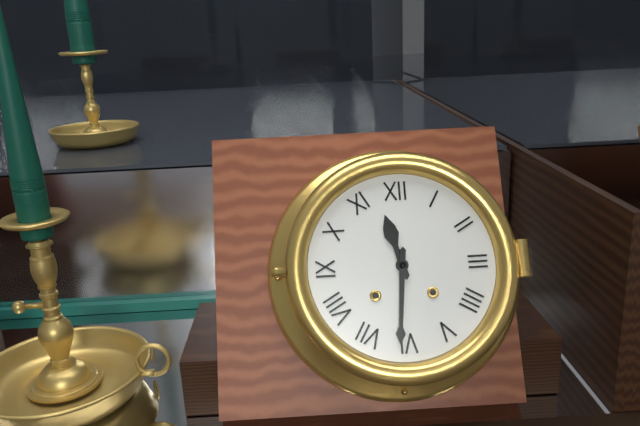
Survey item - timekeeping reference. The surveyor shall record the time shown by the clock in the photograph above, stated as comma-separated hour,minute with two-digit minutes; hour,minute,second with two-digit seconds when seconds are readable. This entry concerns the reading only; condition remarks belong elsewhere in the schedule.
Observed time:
11,31
